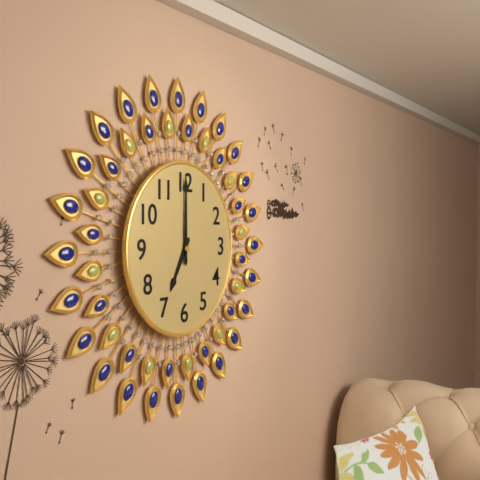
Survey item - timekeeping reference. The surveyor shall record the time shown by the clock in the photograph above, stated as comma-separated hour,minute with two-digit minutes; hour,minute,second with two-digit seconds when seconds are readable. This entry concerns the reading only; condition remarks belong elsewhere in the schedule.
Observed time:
7,00
